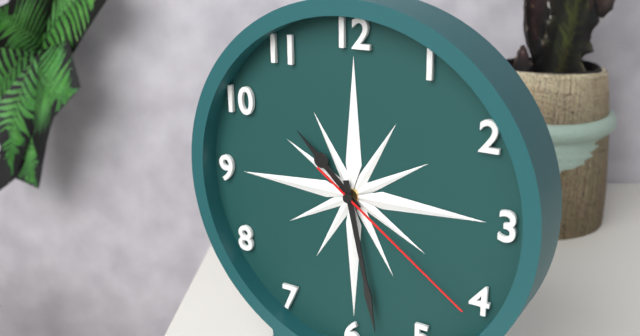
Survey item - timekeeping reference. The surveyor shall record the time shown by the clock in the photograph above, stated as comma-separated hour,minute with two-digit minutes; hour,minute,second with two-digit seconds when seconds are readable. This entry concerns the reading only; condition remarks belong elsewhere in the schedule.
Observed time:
10,28,21
